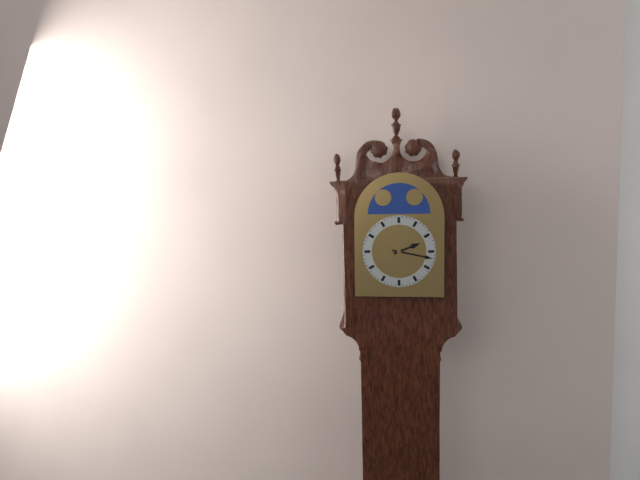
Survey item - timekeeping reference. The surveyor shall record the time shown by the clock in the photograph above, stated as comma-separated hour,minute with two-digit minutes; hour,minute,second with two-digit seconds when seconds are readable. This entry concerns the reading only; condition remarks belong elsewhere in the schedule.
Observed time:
2,17
